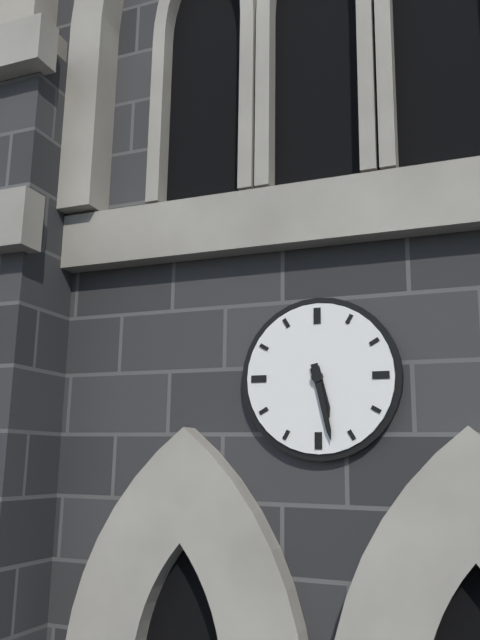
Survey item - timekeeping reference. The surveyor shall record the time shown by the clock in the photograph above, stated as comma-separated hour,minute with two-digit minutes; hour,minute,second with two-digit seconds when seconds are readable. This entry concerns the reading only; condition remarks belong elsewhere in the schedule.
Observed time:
5,28
